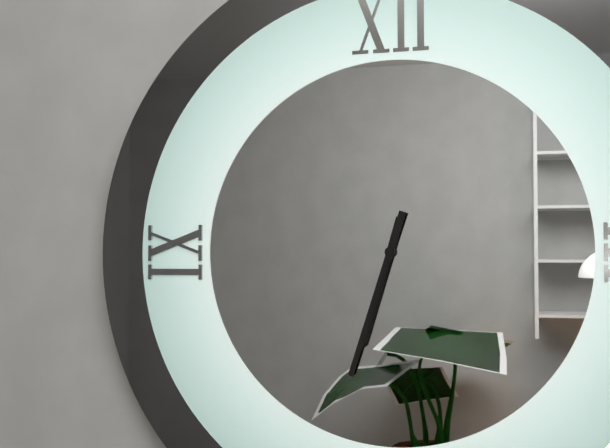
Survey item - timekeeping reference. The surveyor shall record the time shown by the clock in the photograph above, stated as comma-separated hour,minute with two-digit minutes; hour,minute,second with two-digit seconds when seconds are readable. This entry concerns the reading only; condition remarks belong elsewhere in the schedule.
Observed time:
6,33
